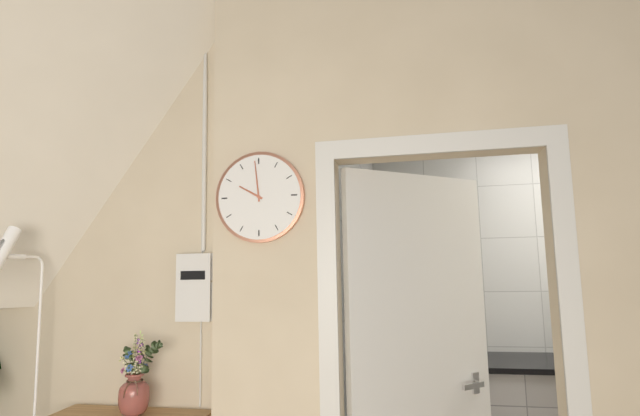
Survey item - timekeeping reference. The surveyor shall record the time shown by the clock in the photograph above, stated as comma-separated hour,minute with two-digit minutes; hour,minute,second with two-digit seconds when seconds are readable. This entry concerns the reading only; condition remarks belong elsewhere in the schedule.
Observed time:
9,59
